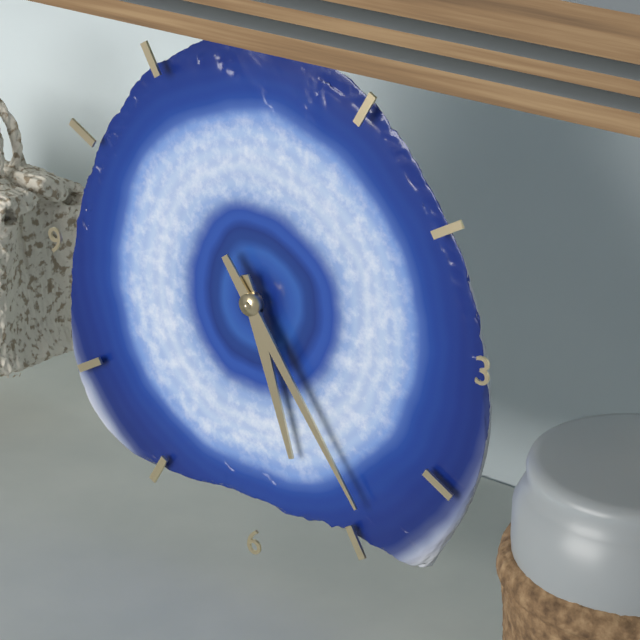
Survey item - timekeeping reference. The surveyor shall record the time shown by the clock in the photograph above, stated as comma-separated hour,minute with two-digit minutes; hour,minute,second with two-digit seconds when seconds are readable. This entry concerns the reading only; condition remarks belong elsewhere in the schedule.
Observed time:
5,24
